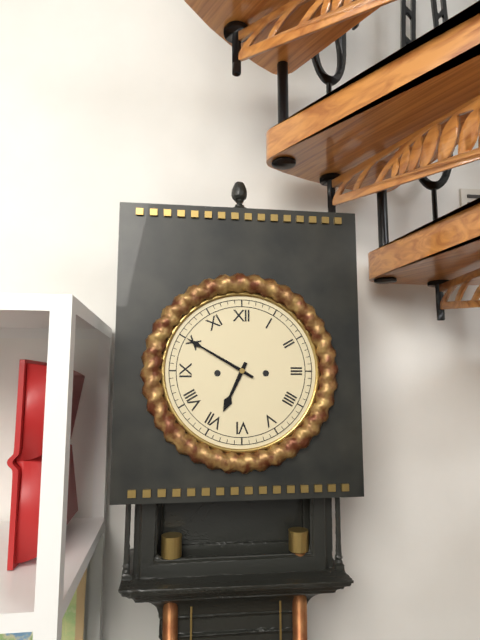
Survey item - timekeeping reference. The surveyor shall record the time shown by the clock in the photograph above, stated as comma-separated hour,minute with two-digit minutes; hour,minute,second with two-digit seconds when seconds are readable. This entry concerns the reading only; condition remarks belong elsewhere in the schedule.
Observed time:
6,50
